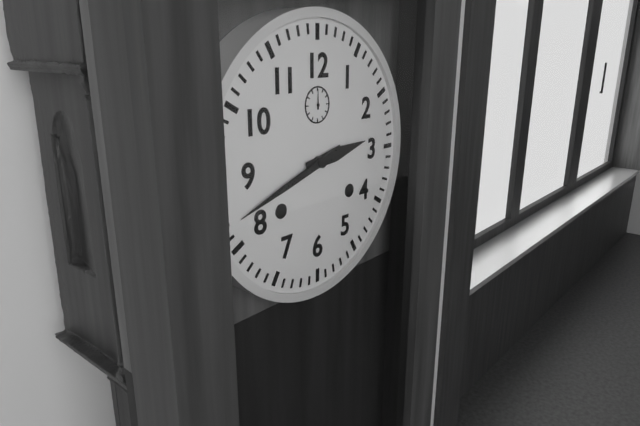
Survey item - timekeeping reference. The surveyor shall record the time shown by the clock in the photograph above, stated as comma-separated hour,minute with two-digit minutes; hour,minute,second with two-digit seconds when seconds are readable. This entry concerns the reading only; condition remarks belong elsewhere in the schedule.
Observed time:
2,42
